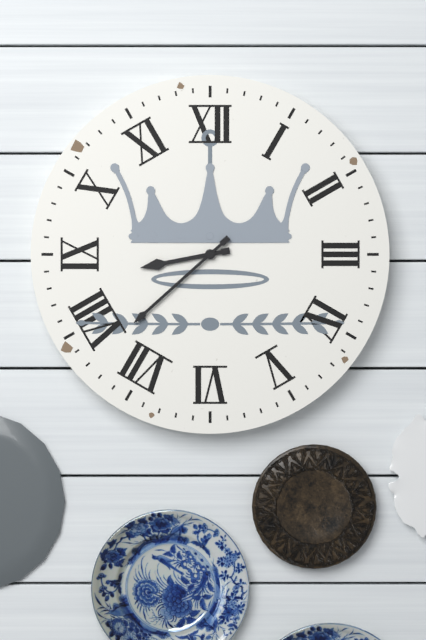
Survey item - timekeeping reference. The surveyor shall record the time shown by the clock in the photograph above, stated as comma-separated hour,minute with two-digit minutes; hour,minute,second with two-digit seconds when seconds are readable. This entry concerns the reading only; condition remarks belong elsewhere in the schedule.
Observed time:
8,38
